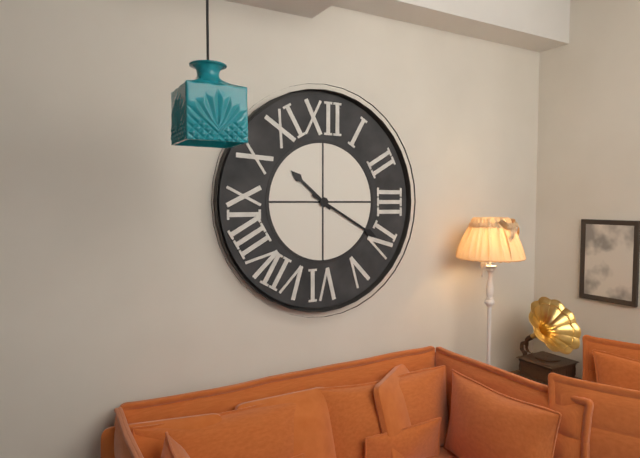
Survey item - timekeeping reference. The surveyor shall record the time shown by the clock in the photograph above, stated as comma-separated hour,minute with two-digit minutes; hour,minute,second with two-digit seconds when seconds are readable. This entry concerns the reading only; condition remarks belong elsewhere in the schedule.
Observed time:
10,20
